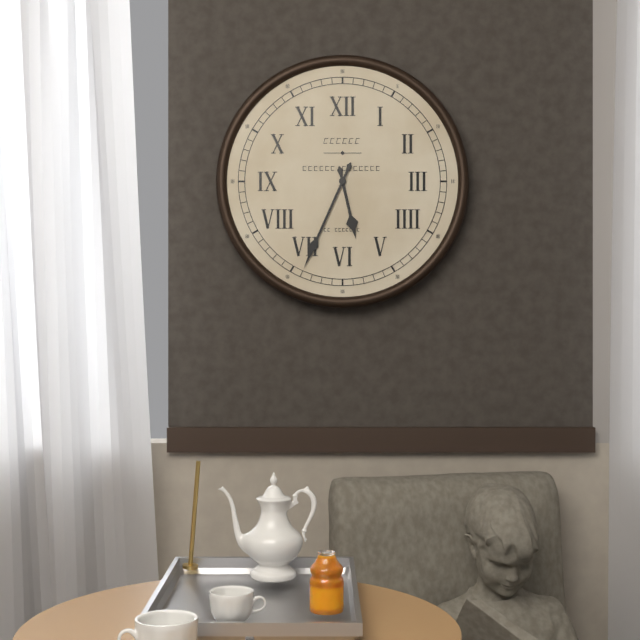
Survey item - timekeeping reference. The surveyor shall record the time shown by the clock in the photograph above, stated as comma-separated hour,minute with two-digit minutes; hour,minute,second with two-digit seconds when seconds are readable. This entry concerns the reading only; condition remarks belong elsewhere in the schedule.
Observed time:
5,34
